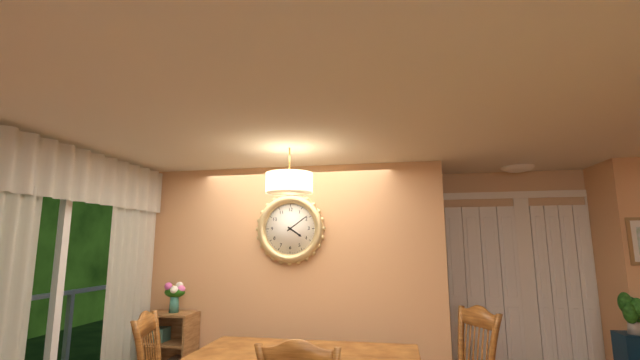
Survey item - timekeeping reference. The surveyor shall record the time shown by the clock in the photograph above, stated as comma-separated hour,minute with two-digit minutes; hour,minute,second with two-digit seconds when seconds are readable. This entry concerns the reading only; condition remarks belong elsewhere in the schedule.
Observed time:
4,09
